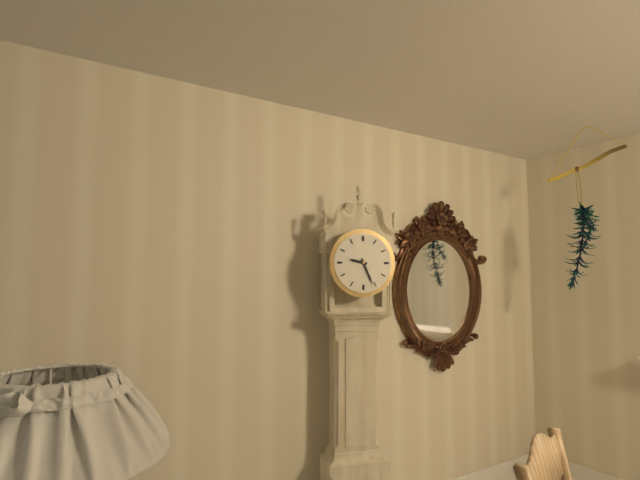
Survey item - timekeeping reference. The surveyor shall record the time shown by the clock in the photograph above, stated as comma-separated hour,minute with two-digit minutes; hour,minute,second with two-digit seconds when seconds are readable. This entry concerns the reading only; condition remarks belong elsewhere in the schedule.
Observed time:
9,26
